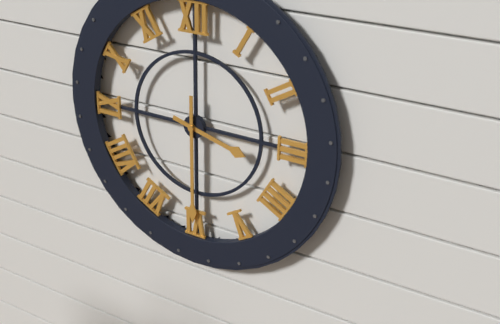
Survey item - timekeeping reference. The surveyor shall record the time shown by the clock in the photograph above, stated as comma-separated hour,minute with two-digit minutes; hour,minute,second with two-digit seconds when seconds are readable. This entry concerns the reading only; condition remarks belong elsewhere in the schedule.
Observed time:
3,30
